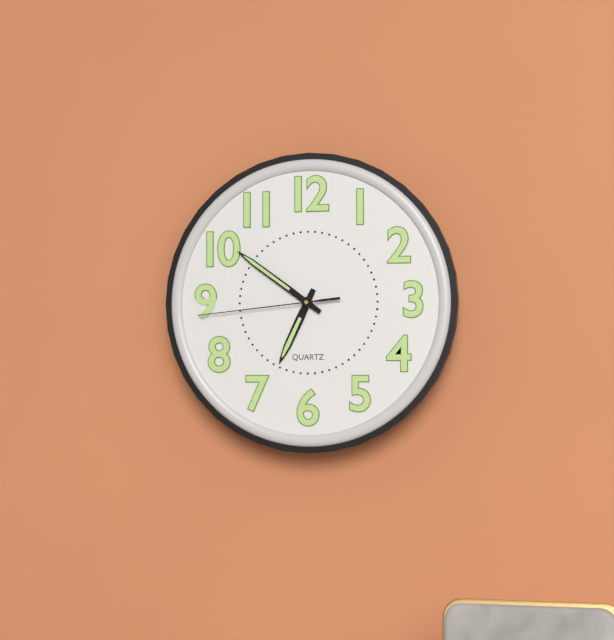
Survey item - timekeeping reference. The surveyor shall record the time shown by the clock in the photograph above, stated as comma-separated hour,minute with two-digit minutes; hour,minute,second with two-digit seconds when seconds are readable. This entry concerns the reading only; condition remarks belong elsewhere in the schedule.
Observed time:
6,51,44
